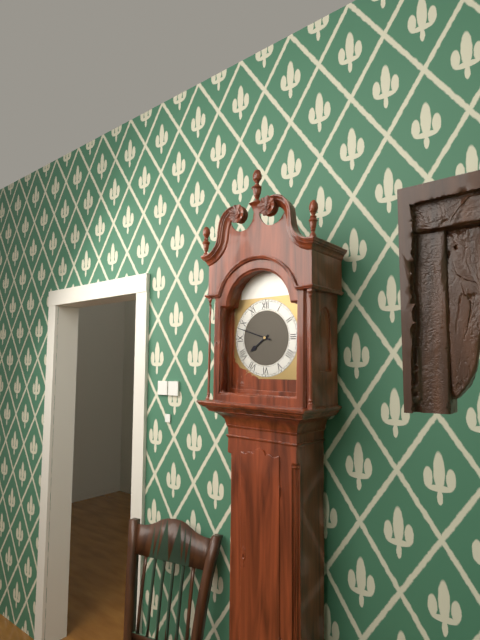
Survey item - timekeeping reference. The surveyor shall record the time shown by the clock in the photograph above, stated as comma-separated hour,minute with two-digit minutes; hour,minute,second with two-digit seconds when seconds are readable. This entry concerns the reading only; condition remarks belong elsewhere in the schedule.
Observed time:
7,48
